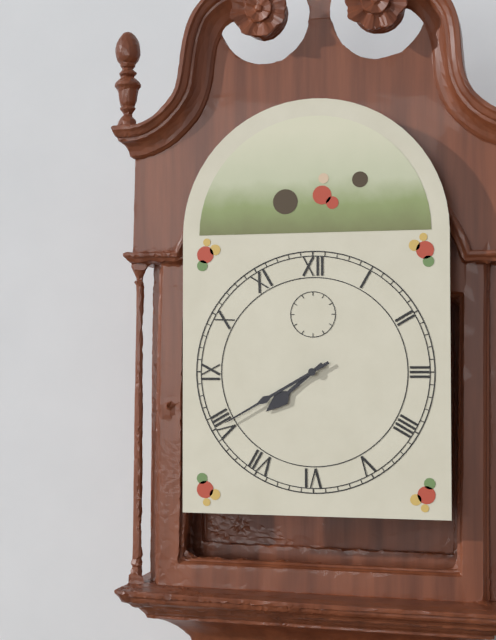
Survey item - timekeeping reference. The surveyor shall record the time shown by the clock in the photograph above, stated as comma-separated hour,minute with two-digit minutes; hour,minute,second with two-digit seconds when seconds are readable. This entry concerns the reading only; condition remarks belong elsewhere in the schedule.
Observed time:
7,40
